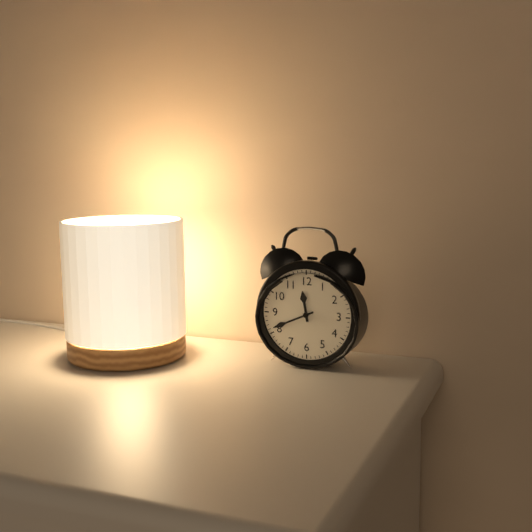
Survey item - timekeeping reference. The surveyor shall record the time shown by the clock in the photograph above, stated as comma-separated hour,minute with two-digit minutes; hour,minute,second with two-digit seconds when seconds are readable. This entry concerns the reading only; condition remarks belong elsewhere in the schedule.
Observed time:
11,41
